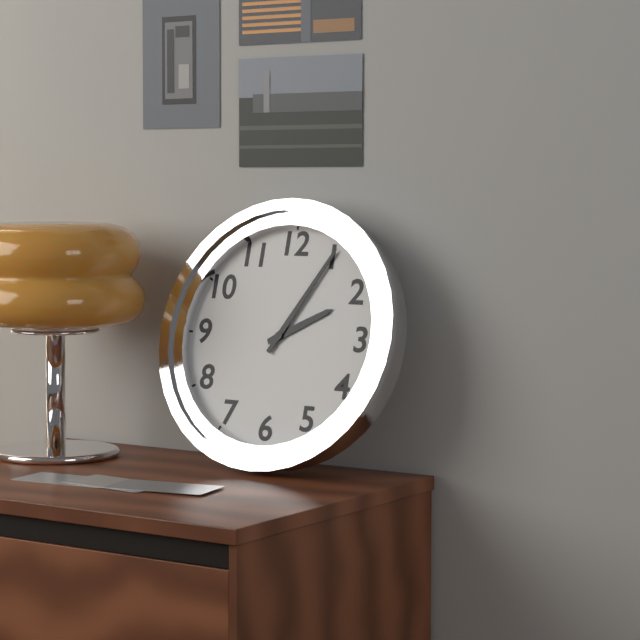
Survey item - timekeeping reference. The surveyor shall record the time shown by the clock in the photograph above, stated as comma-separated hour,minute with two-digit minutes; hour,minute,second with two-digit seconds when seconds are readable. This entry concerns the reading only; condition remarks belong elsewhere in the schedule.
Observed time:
2,05
